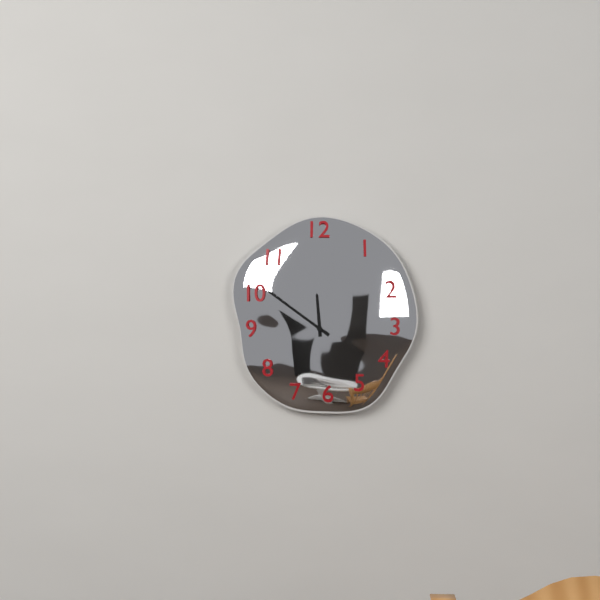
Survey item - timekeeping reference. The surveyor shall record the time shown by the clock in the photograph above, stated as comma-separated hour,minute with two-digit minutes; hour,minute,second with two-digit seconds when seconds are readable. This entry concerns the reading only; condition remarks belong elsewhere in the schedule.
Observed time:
11,51
